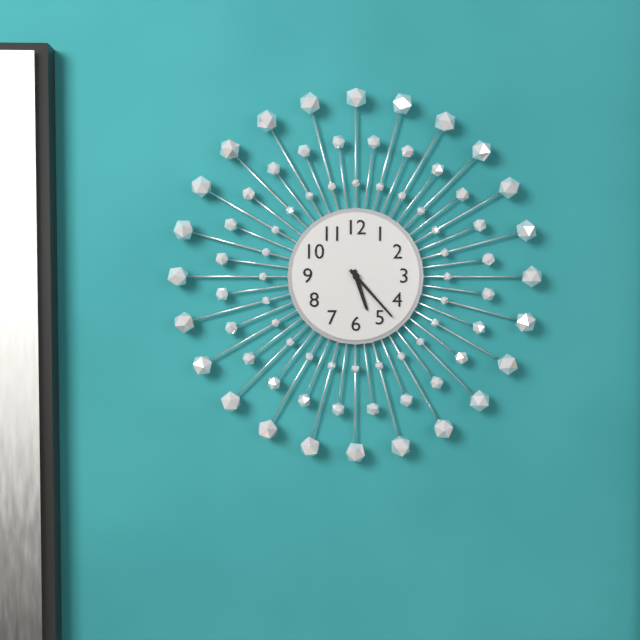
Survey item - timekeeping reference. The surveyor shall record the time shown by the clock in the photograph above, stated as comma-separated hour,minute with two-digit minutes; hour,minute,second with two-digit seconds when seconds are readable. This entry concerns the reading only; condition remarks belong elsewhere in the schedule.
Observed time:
5,23
